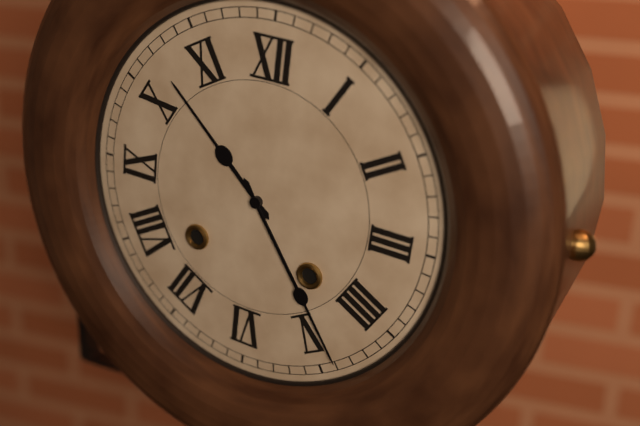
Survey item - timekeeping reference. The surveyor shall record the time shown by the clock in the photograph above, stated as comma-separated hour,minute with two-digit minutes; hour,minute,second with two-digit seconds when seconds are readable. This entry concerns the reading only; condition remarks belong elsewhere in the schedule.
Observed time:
10,24
